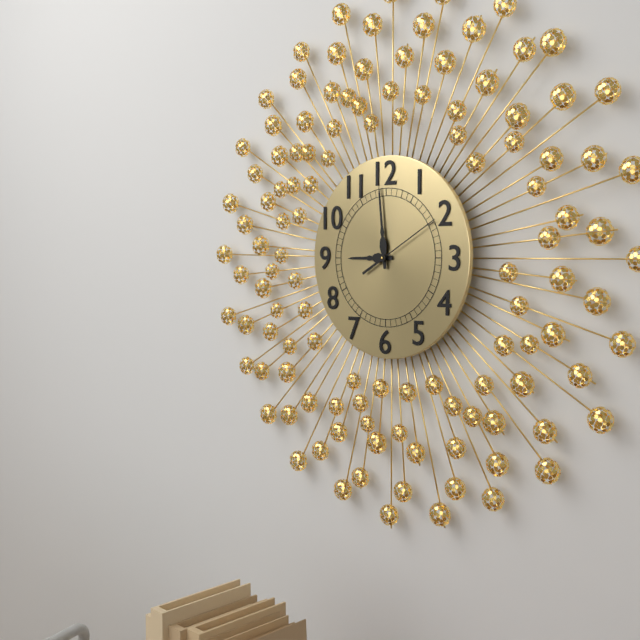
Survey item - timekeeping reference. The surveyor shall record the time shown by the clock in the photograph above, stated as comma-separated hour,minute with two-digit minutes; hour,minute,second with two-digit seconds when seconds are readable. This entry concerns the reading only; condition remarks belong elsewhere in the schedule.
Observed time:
8,59,10
